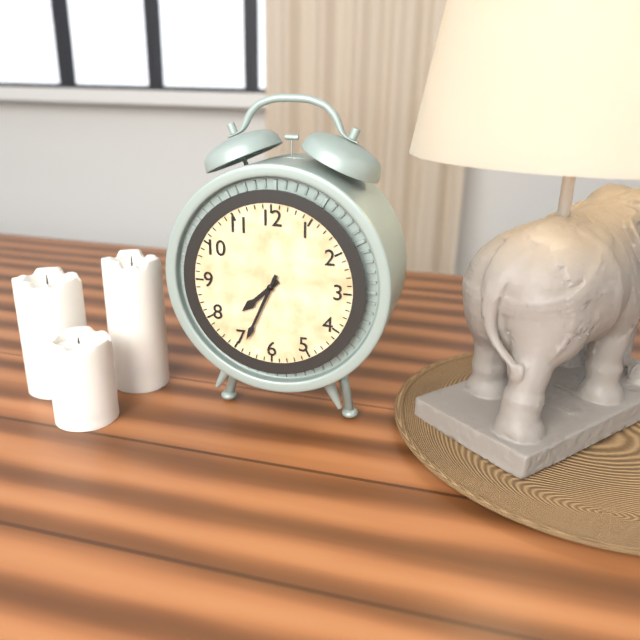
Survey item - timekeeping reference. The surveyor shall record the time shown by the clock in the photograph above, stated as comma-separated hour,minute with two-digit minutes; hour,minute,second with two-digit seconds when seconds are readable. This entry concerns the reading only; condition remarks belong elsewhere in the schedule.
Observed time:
7,34
